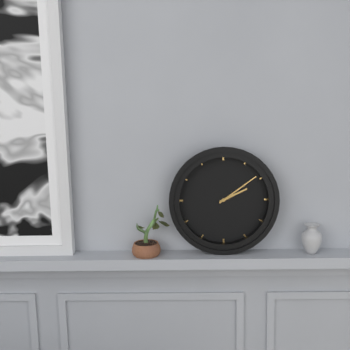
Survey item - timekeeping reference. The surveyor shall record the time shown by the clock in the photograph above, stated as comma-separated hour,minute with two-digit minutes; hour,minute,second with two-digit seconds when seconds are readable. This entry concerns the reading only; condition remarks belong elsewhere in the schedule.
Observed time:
2,09
